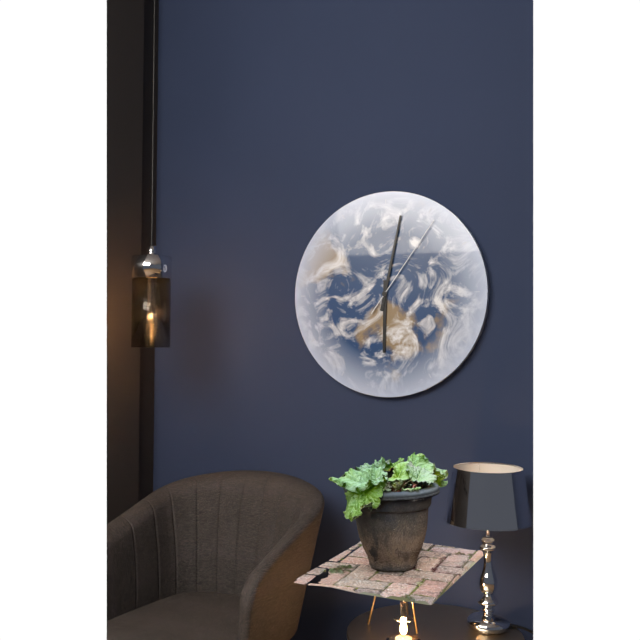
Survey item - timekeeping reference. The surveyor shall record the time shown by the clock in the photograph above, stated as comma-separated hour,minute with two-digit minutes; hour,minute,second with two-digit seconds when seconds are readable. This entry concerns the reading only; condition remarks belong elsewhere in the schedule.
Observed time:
6,02,06
